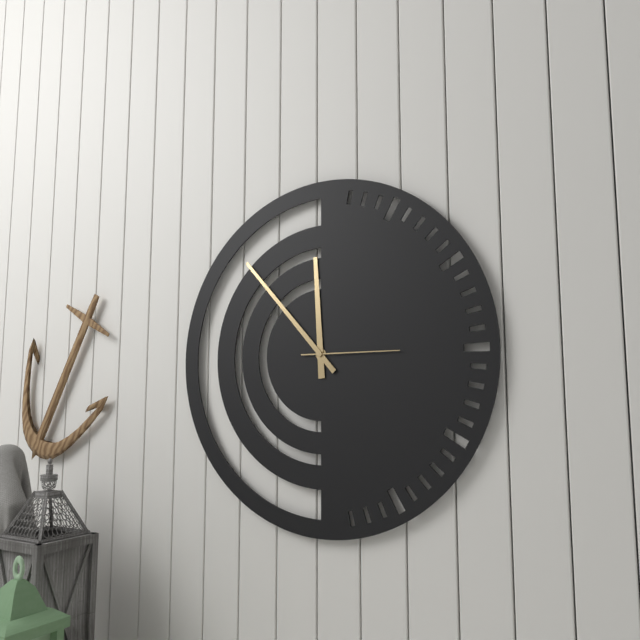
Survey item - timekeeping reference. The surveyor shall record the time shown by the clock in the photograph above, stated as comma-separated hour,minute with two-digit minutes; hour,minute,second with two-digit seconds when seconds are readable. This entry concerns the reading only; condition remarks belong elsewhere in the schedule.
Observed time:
11,53,15
